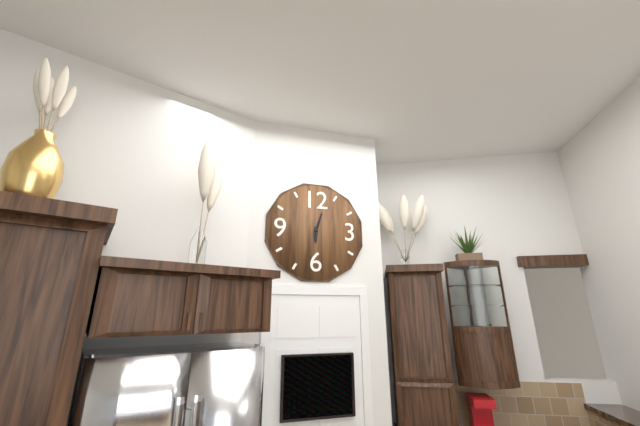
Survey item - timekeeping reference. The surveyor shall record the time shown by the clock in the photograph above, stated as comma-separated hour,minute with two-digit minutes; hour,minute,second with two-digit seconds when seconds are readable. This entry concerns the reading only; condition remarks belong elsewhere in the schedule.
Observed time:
6,03
